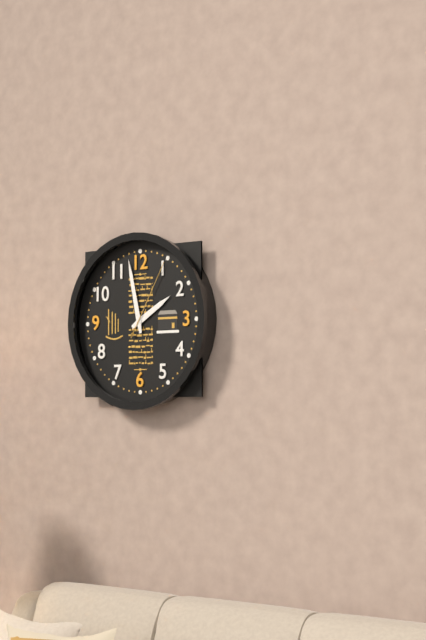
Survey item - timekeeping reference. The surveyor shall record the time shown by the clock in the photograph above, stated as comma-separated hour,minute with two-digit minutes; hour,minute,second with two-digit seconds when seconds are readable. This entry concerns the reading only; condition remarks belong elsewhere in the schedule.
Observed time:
1,58,05
